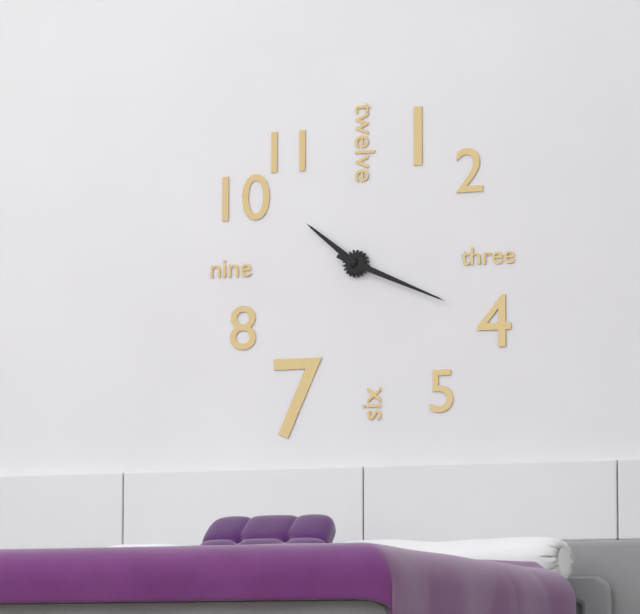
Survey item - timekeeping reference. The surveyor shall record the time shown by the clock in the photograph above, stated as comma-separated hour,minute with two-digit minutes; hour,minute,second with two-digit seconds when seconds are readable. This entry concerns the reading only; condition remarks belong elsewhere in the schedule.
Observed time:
10,19
